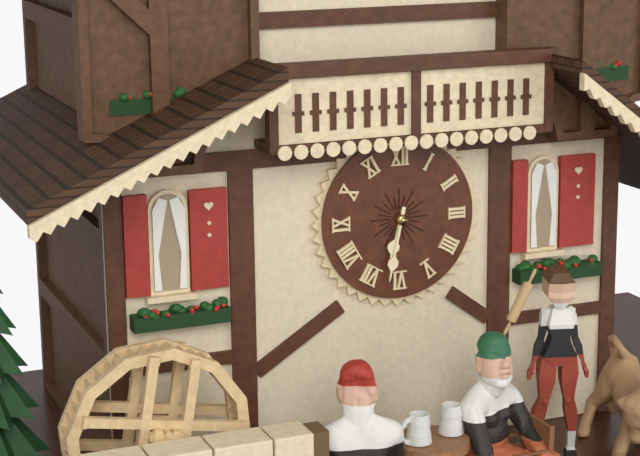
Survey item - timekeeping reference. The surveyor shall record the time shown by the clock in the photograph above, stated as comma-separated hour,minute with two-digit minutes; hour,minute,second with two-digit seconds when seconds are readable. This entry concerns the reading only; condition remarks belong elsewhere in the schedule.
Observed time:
6,32
